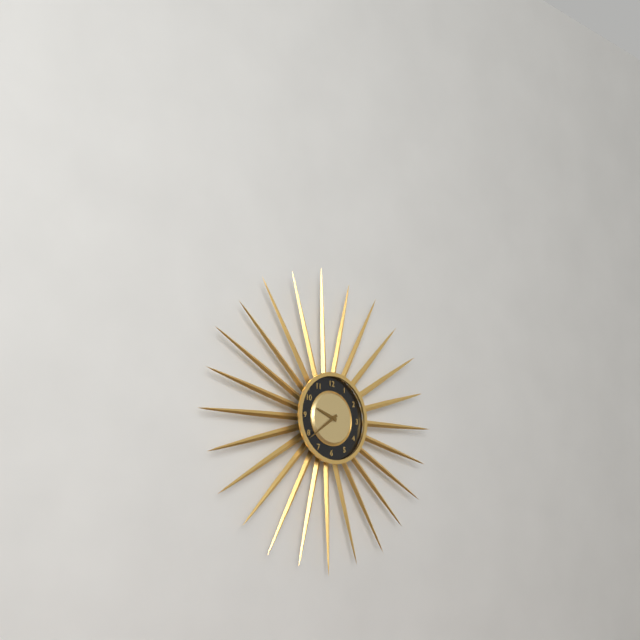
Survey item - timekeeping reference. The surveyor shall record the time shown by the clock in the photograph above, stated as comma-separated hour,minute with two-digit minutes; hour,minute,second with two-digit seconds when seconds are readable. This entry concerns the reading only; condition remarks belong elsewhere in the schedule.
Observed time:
9,39
